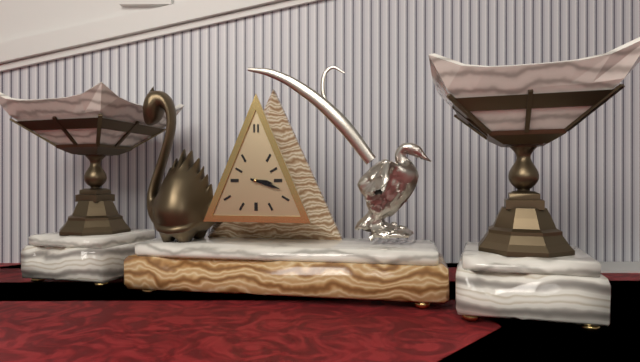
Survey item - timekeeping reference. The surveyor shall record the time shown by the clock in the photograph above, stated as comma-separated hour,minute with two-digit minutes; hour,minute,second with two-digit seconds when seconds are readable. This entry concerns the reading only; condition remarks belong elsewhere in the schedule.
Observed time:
3,18
